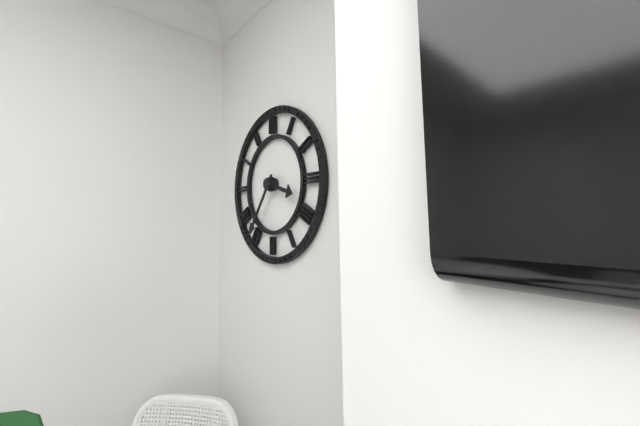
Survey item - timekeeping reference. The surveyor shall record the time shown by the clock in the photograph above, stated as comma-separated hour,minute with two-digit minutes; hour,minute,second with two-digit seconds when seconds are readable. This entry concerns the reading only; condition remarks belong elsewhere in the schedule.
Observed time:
3,36
